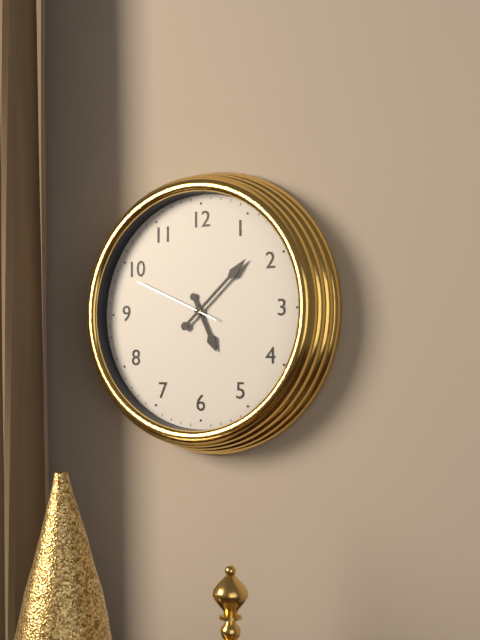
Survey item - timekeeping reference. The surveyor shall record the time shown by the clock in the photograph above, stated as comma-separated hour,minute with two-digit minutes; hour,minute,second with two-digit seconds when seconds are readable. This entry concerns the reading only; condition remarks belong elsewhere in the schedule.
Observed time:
5,08,49
